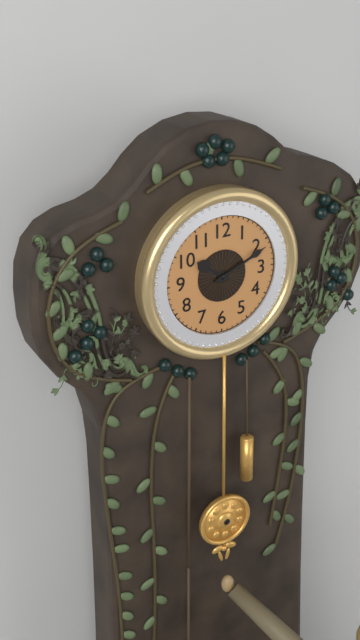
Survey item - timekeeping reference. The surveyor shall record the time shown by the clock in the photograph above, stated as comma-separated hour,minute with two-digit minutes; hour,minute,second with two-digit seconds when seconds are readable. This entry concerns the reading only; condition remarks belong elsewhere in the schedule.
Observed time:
10,11
